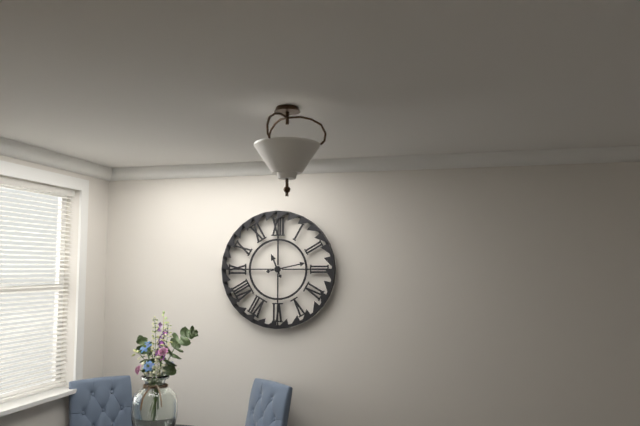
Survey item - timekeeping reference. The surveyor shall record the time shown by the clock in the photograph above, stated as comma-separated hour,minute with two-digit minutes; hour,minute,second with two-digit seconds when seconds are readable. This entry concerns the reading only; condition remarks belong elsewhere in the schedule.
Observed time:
11,13
